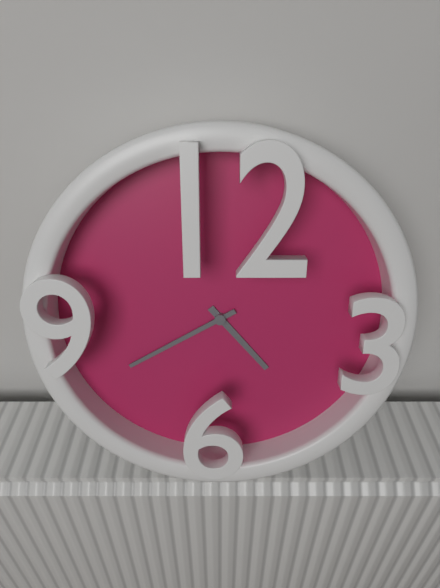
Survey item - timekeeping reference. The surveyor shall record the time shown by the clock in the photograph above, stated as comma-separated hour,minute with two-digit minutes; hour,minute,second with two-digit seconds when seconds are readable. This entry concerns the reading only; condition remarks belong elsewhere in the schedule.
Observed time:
4,40
